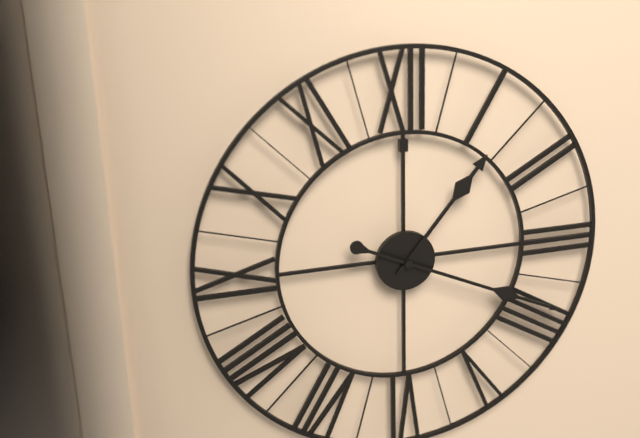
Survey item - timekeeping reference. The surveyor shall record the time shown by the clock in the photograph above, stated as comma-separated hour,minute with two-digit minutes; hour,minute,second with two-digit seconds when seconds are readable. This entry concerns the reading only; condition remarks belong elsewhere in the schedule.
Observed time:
1,19
